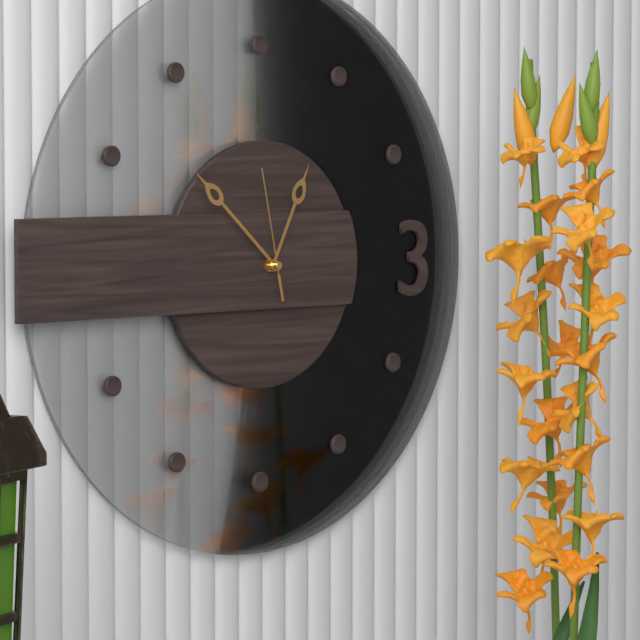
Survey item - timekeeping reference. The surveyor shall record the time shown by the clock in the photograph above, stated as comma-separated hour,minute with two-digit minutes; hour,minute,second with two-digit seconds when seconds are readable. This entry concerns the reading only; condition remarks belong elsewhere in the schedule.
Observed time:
12,52,58
